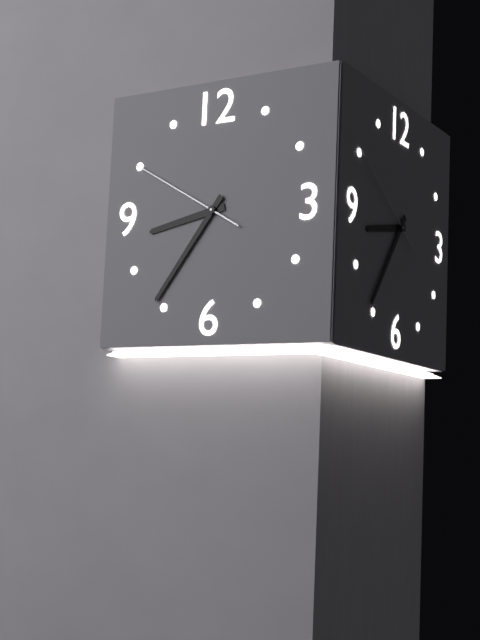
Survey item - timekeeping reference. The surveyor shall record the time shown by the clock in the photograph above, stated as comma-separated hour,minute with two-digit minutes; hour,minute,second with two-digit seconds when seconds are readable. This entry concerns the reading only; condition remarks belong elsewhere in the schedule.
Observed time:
8,36,50
